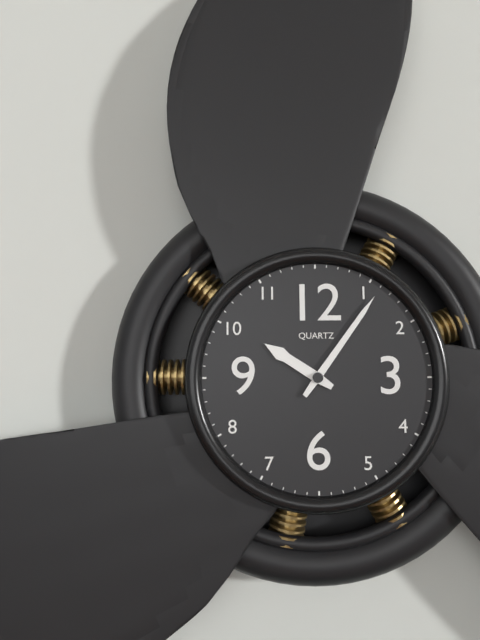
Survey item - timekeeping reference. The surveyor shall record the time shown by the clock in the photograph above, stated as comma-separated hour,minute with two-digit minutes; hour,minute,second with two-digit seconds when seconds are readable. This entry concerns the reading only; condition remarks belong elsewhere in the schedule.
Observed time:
10,06
